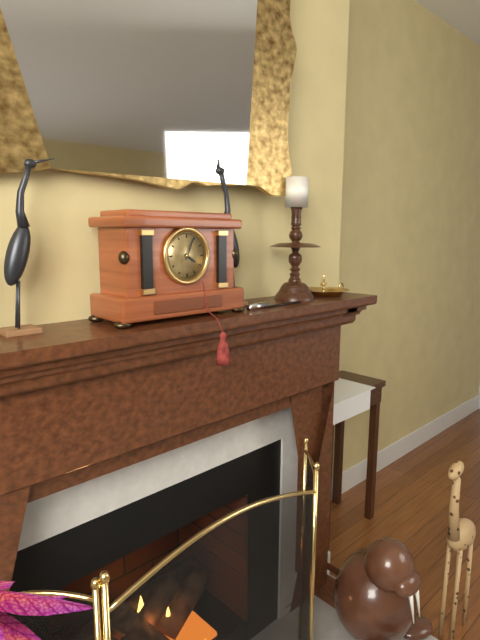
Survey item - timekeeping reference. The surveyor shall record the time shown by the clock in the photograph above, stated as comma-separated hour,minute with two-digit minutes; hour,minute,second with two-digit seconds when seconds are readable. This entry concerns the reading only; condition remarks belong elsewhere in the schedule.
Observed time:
4,04
